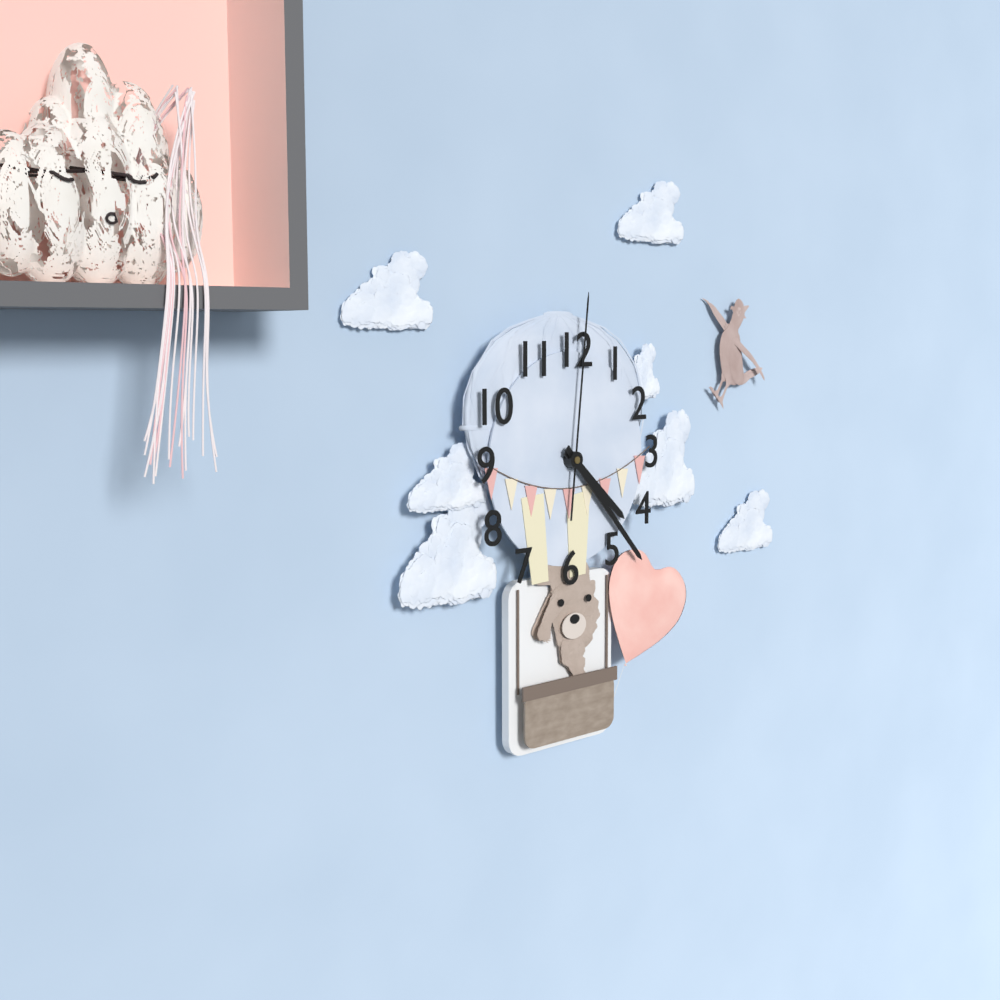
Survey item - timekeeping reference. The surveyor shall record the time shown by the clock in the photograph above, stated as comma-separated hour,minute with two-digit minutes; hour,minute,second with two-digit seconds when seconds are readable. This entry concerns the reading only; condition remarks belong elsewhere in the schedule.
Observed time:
4,23,01
